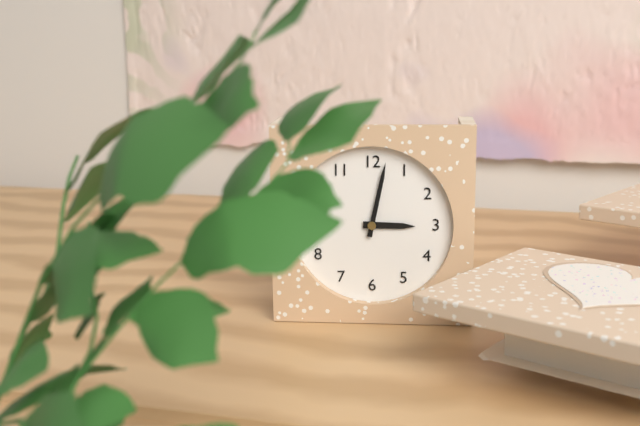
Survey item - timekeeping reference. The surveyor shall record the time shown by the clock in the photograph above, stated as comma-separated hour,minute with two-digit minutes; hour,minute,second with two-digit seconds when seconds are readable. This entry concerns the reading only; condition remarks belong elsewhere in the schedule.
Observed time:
3,02
